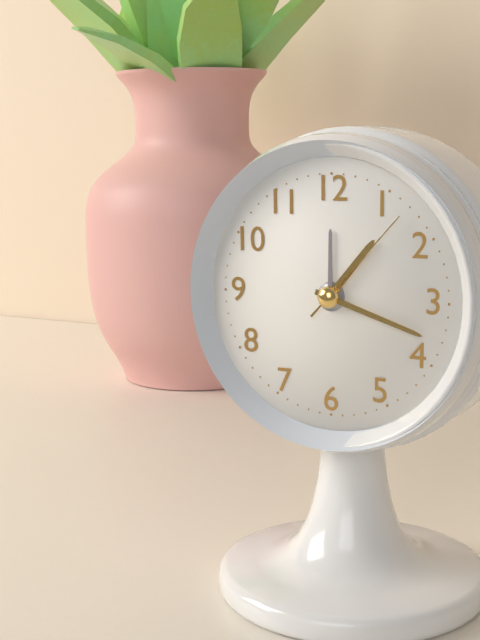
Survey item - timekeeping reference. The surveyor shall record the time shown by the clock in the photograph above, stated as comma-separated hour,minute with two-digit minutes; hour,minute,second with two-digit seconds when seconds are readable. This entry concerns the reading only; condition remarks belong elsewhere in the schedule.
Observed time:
1,18,07
